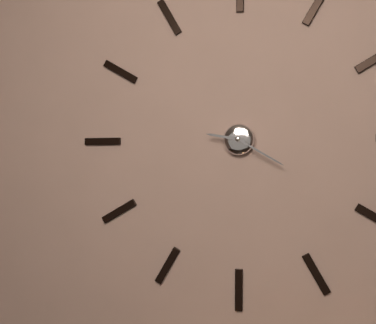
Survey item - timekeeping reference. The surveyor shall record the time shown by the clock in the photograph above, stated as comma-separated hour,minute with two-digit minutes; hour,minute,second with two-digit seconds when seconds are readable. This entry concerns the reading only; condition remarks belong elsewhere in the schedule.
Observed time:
9,20
